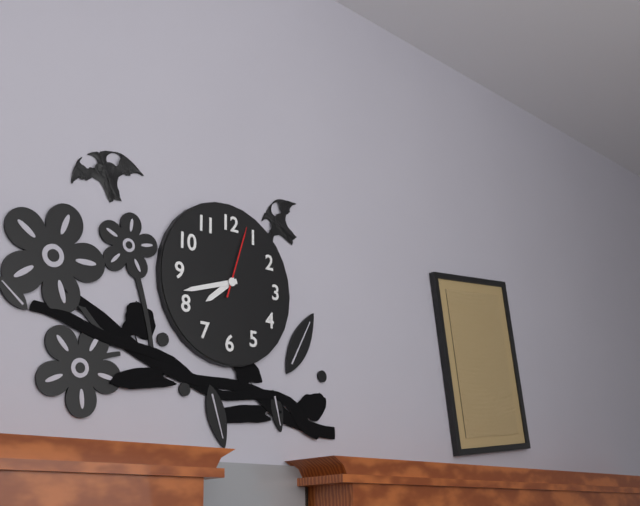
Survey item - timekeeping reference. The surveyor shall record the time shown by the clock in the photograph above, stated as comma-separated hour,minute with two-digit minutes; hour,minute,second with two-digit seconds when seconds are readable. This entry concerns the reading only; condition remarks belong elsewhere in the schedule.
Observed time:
7,42,03
